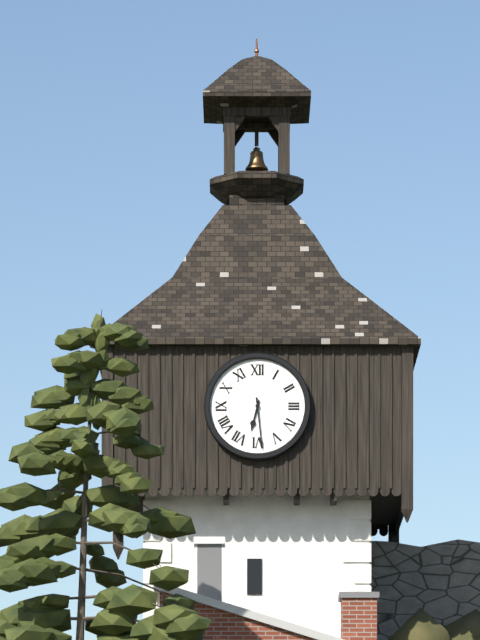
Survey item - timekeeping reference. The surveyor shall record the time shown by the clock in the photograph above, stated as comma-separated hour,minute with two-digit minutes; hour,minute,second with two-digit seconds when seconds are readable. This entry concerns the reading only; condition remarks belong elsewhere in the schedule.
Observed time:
6,29
